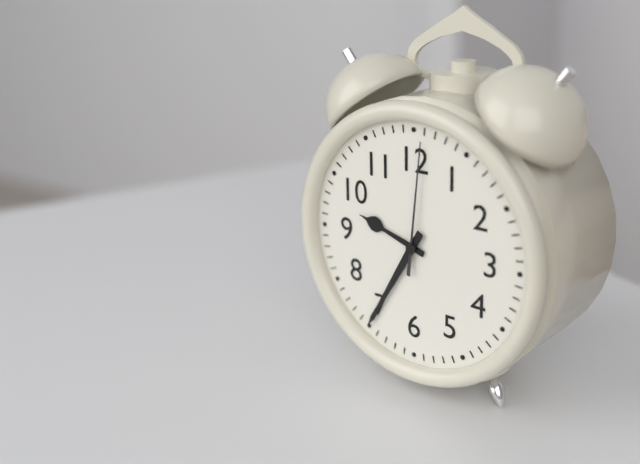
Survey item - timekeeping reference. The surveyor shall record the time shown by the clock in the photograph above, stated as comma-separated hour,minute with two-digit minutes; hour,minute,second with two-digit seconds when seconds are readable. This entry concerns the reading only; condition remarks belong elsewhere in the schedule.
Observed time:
9,35,01
